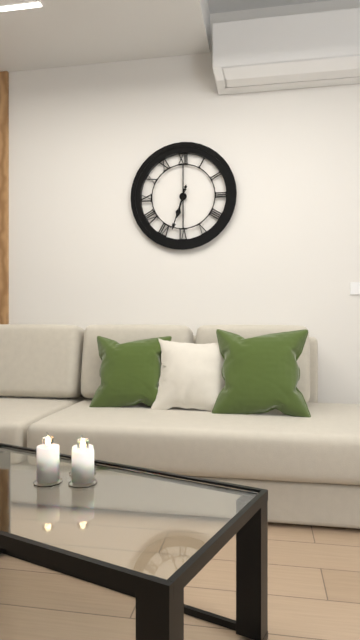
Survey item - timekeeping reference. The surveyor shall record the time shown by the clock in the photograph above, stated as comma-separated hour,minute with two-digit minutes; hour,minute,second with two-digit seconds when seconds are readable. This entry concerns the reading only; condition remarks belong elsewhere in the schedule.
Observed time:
6,33
